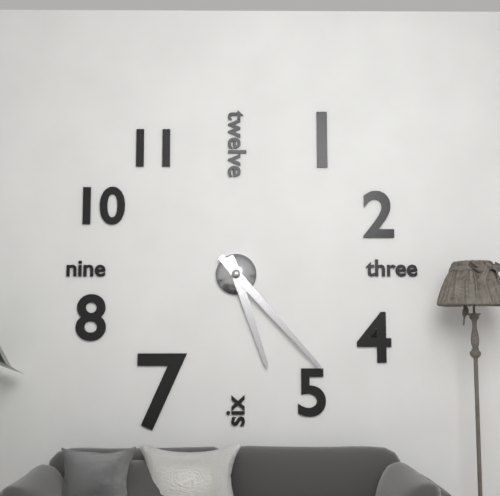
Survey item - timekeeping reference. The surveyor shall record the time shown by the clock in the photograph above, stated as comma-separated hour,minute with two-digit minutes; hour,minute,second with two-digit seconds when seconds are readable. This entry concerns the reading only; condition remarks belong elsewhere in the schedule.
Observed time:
5,23
